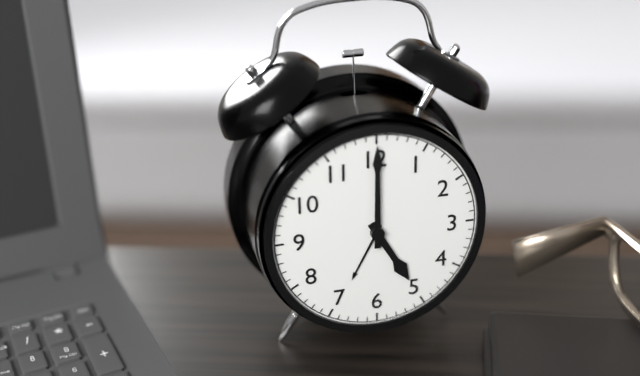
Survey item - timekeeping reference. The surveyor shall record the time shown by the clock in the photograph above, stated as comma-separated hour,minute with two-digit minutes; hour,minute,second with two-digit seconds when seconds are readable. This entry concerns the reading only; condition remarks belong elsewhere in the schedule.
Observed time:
5,00
